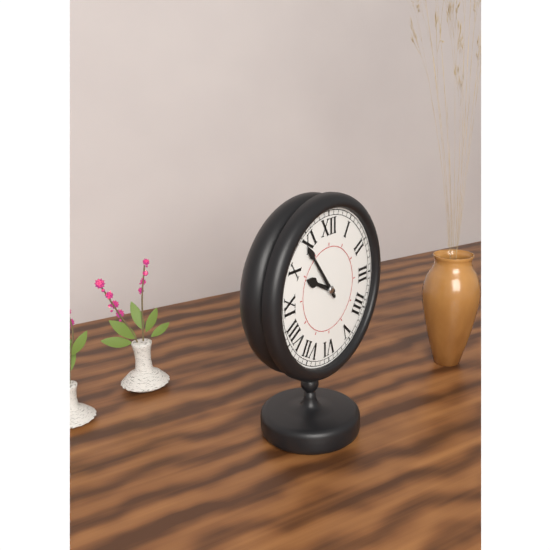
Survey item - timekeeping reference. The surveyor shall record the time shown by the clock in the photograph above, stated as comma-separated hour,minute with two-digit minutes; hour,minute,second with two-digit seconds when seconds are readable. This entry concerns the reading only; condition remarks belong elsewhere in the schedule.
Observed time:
9,54
